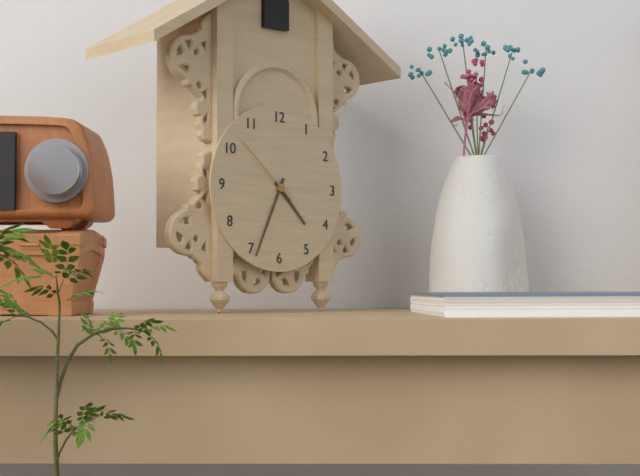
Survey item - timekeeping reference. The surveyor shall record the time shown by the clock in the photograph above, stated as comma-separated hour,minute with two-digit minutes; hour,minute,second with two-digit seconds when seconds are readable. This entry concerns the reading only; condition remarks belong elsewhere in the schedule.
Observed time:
4,34,52
